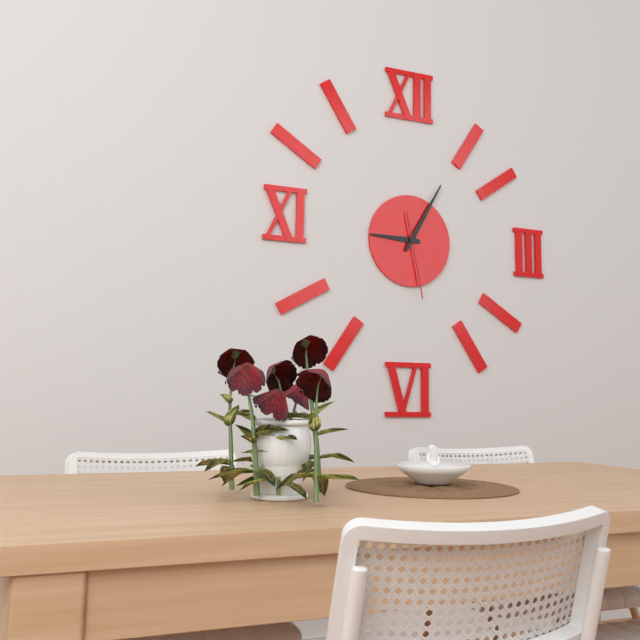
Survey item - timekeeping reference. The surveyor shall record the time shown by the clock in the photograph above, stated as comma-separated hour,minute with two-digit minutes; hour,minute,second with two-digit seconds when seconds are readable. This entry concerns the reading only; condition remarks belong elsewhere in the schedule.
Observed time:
9,05,28
